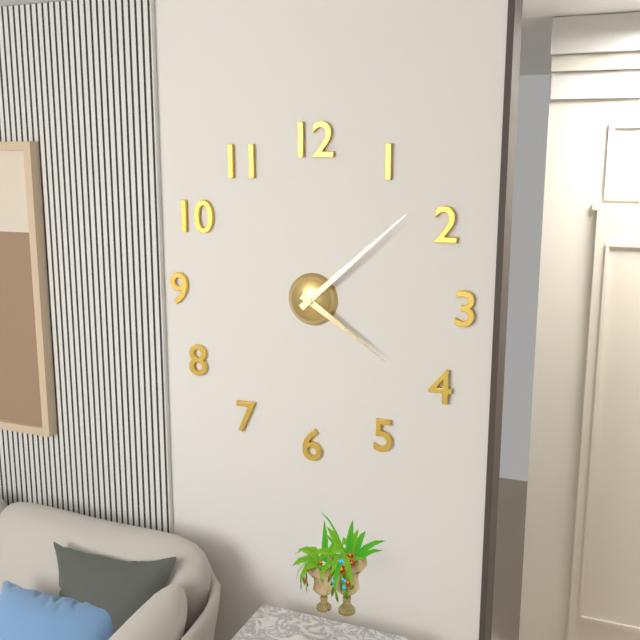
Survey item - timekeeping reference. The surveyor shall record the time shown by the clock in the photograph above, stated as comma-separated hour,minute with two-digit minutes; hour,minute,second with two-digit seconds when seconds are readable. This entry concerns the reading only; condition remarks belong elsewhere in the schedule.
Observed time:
4,08
